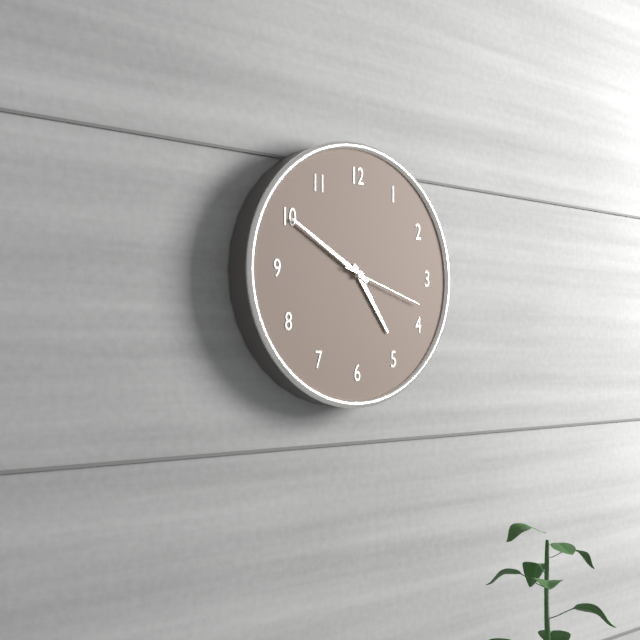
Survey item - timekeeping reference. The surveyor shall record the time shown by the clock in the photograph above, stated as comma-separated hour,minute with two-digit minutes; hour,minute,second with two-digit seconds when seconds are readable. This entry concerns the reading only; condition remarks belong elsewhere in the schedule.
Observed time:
4,50,18
